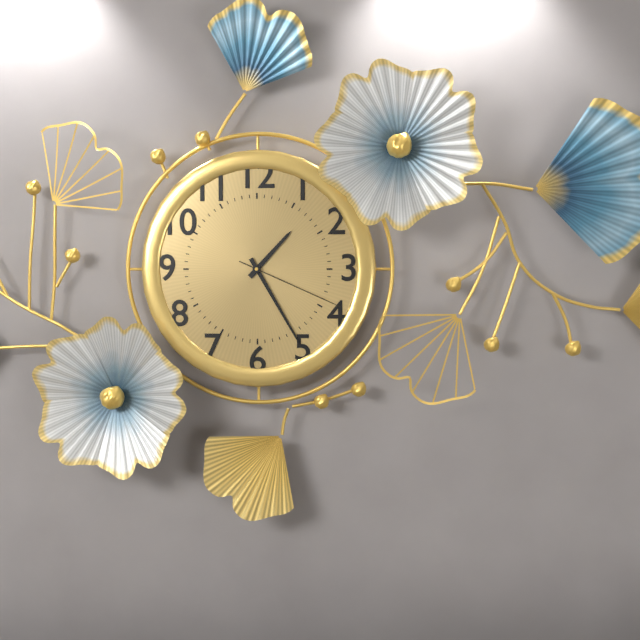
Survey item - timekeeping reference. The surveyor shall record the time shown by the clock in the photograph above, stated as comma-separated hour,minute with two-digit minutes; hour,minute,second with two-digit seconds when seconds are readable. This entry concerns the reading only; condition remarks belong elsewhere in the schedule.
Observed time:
1,25,19
